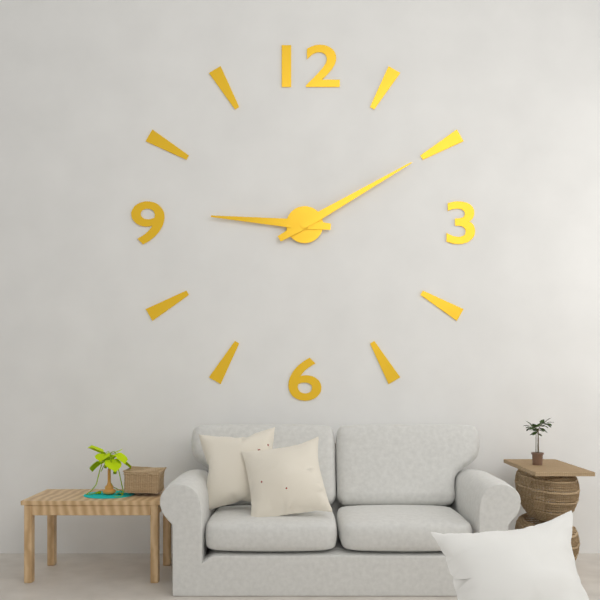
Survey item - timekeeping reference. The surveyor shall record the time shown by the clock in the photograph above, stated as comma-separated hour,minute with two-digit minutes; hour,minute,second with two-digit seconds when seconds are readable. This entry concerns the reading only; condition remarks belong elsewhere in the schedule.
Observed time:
9,10
